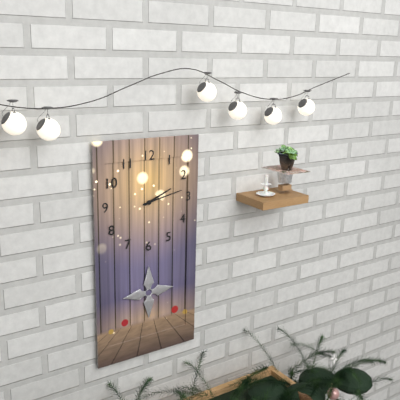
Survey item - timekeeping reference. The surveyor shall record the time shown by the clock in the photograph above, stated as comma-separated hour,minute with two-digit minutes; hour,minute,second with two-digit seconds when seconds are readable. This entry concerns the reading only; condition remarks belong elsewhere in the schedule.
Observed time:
2,13
